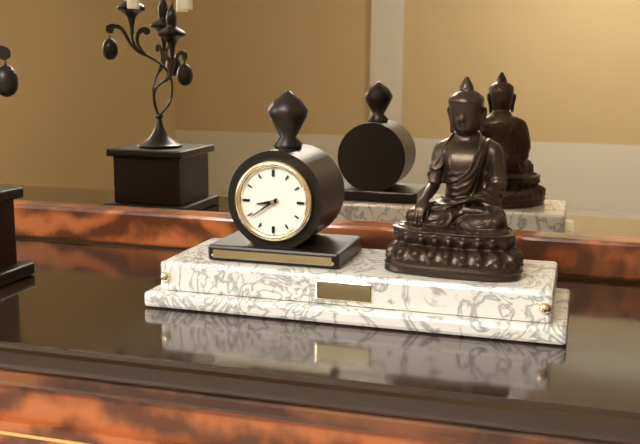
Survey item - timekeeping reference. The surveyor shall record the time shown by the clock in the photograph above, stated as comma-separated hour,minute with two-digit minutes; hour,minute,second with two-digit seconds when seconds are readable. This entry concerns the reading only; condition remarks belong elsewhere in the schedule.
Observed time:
8,39
